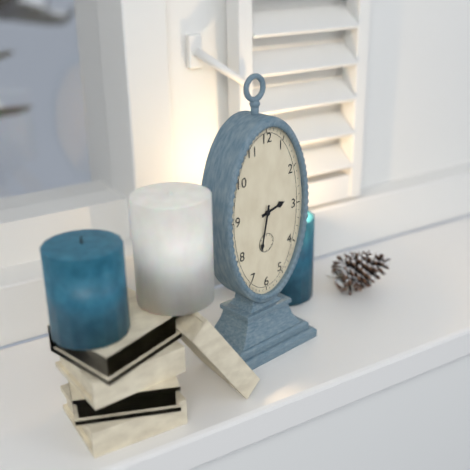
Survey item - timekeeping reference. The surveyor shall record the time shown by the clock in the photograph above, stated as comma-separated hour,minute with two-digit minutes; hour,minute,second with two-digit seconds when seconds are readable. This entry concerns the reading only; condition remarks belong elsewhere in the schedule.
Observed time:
2,32
